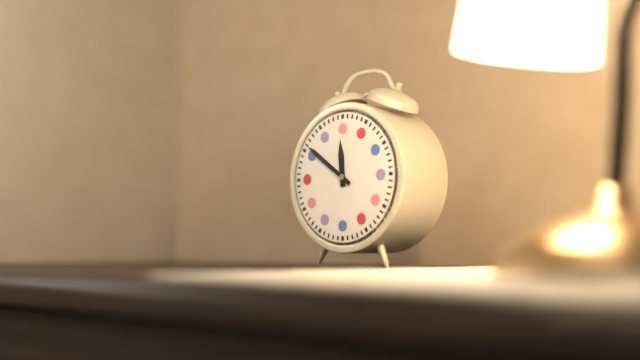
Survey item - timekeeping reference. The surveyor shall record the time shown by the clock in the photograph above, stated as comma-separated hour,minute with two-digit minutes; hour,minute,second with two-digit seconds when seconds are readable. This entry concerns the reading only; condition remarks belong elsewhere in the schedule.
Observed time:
11,51
